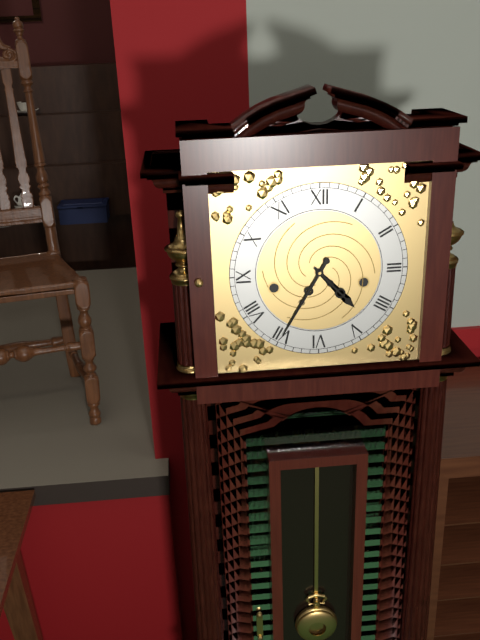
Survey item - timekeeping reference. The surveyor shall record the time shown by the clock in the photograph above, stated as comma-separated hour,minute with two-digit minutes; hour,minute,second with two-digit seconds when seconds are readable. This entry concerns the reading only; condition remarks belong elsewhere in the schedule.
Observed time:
4,35
